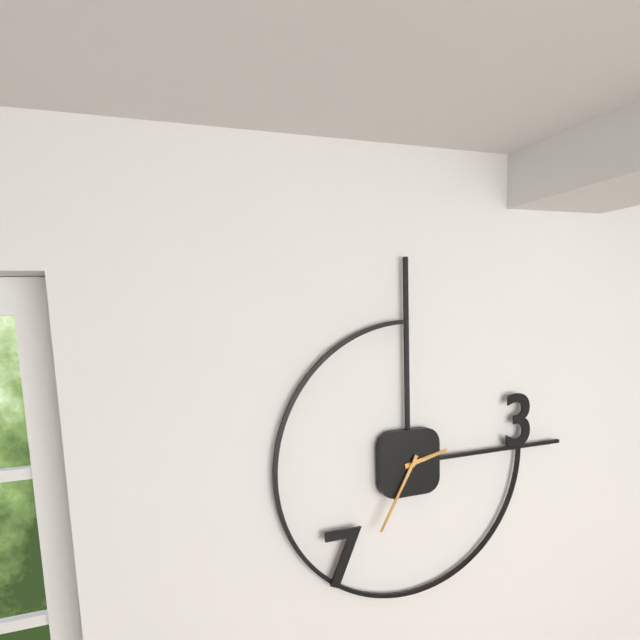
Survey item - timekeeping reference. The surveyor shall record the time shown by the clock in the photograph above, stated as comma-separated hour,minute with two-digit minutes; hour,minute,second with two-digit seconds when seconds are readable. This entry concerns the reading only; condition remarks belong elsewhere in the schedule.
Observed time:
2,35
